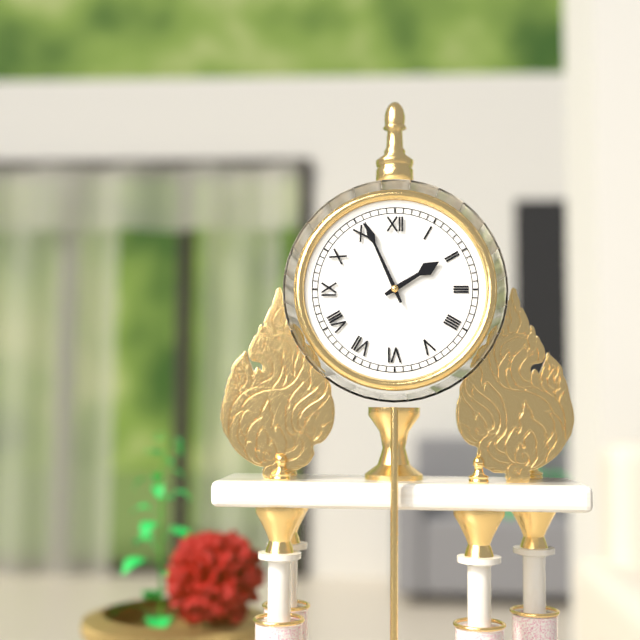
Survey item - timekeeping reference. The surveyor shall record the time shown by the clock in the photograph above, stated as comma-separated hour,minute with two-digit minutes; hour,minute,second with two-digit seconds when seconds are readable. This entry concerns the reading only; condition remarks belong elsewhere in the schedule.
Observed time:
1,56
